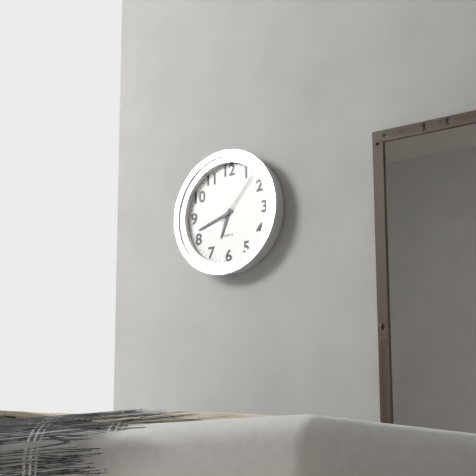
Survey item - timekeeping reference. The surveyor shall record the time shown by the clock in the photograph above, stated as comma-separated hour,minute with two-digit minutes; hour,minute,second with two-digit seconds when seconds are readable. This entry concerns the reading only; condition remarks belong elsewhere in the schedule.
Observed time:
6,42,07
